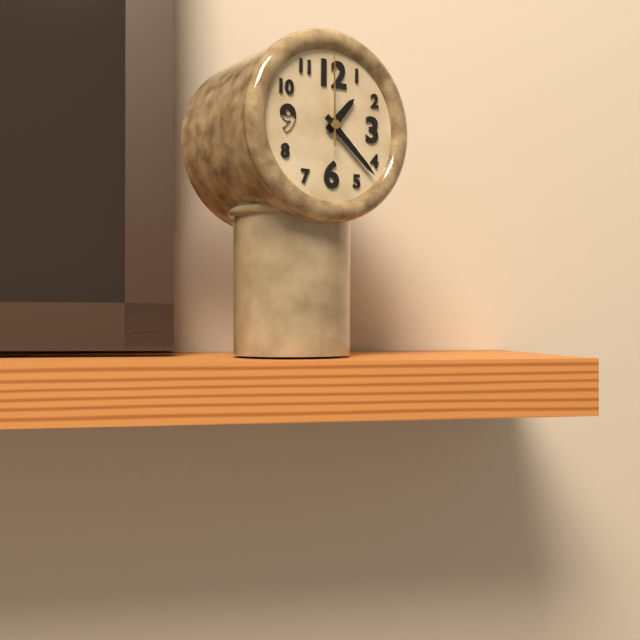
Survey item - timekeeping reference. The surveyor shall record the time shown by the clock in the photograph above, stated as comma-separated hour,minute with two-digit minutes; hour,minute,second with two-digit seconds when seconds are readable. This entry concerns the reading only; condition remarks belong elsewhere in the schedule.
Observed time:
1,22,00
